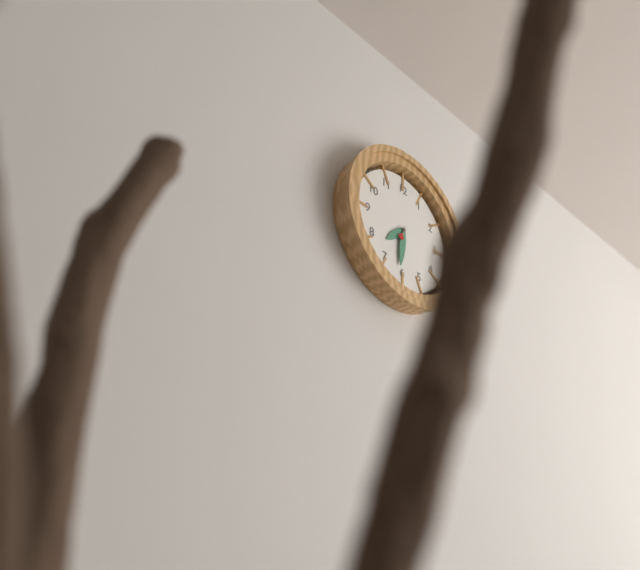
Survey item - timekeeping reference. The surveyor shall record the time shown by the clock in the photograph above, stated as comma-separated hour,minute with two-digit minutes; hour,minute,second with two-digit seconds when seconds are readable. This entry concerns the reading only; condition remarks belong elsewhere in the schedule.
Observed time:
7,31
